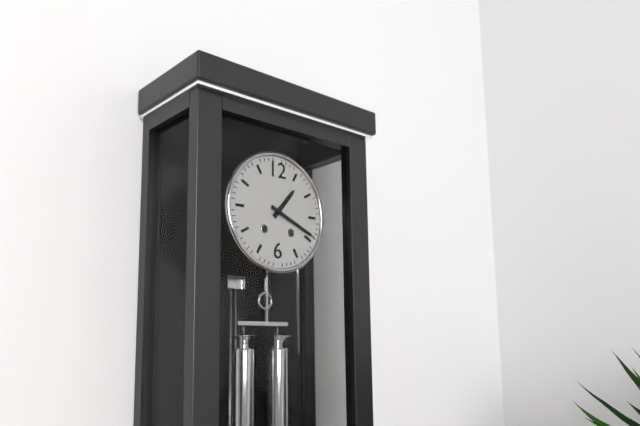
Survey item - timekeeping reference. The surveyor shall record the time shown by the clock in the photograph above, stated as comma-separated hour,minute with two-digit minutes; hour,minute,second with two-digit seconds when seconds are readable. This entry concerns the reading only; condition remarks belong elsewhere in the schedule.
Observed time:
1,19
